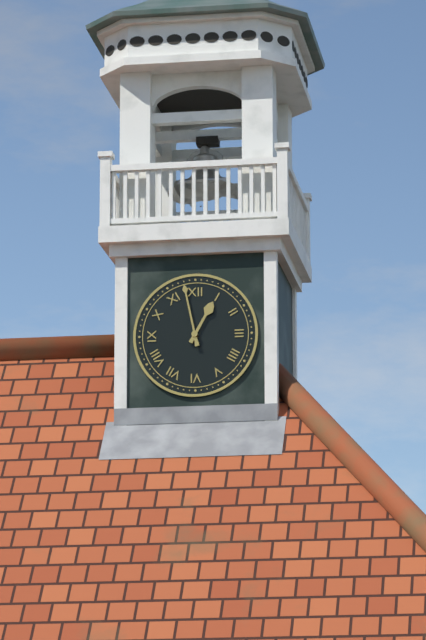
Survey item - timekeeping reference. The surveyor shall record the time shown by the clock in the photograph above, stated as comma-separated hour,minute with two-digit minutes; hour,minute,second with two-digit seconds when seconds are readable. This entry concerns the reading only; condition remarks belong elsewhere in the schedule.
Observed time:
12,58
